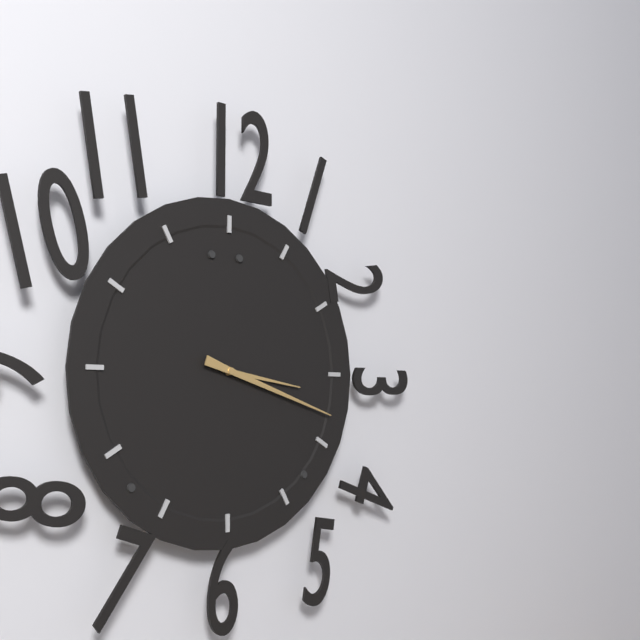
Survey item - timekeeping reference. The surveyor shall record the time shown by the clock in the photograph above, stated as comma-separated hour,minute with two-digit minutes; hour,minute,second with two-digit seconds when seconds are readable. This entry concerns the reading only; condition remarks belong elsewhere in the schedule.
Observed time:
3,18
